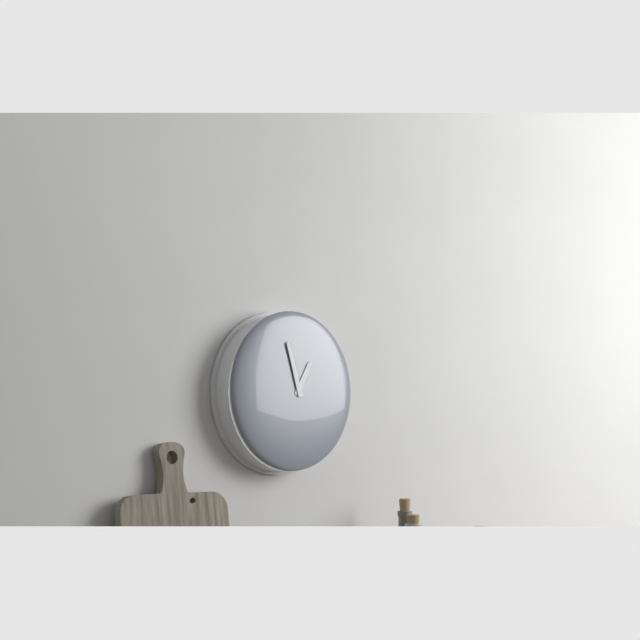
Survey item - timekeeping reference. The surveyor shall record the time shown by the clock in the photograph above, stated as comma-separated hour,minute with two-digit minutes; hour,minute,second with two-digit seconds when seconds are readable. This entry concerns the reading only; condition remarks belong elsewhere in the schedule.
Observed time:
12,57
